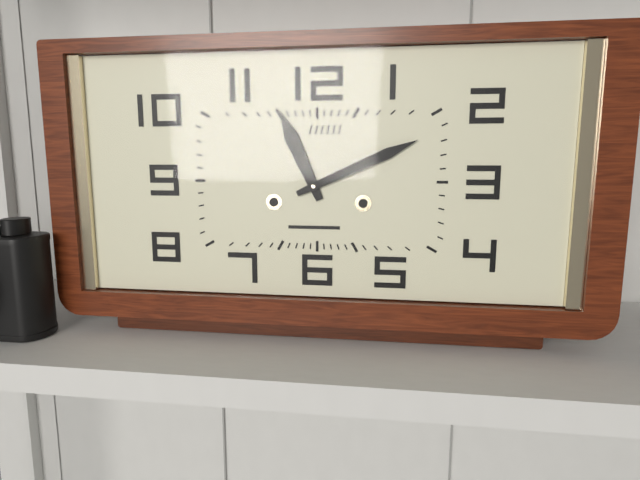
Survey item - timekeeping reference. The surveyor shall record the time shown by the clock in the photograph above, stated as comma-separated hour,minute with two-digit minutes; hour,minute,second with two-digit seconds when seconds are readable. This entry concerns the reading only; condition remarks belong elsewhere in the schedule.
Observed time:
11,11
